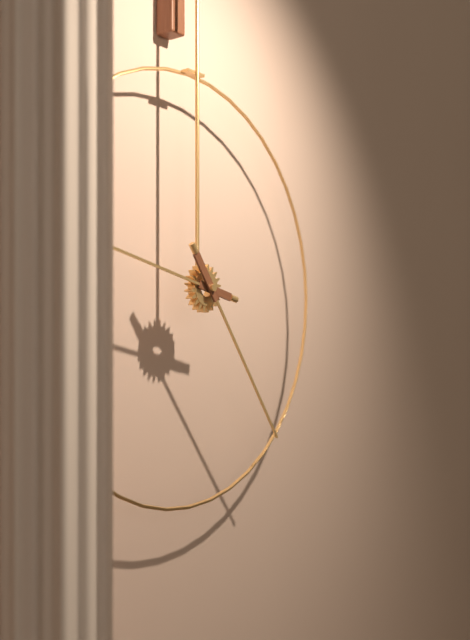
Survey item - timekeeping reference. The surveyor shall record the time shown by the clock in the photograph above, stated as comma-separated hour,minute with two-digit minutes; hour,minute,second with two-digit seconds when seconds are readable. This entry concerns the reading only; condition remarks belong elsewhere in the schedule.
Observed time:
9,24
